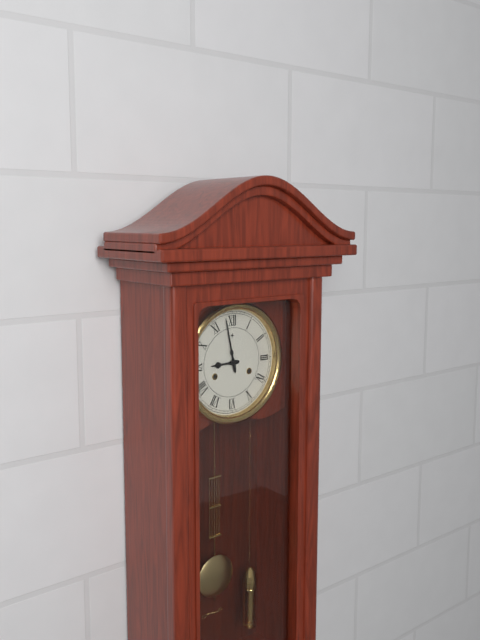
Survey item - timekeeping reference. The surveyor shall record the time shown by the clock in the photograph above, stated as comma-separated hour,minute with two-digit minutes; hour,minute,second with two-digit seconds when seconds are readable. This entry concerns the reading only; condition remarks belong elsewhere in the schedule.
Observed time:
8,58
